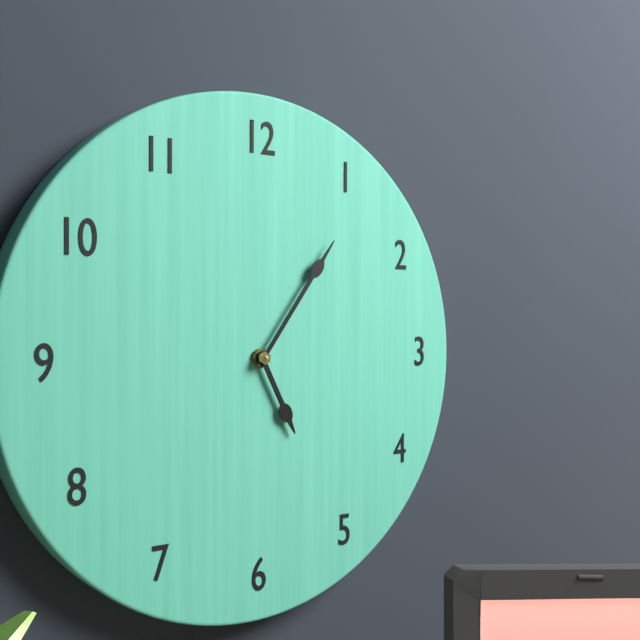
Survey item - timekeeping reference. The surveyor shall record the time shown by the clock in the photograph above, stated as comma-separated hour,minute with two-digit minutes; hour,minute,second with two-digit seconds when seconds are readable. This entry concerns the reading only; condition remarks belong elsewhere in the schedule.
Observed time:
5,06
